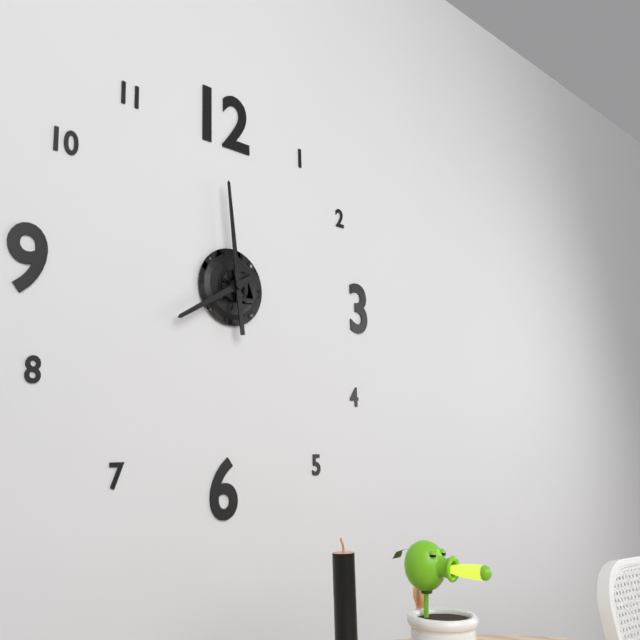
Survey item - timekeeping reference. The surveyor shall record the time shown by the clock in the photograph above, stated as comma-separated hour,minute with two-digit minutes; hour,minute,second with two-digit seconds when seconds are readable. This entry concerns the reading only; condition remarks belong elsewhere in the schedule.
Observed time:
7,59
